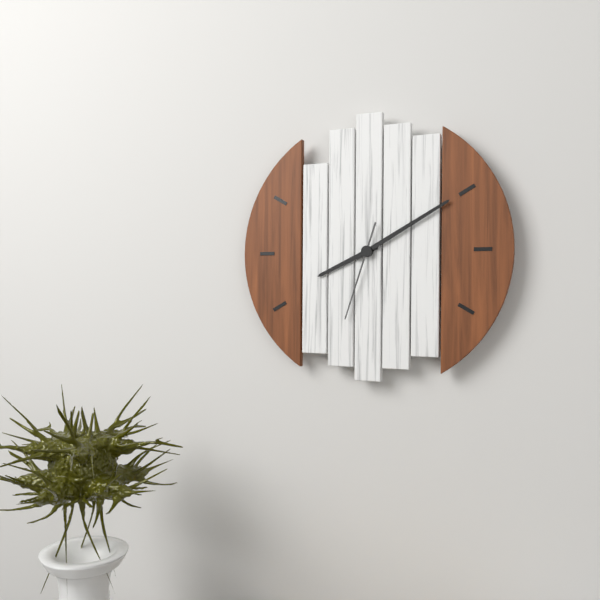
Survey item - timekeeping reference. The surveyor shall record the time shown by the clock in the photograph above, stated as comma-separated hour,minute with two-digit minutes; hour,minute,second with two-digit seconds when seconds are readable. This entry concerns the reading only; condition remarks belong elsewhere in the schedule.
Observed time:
8,10,33
